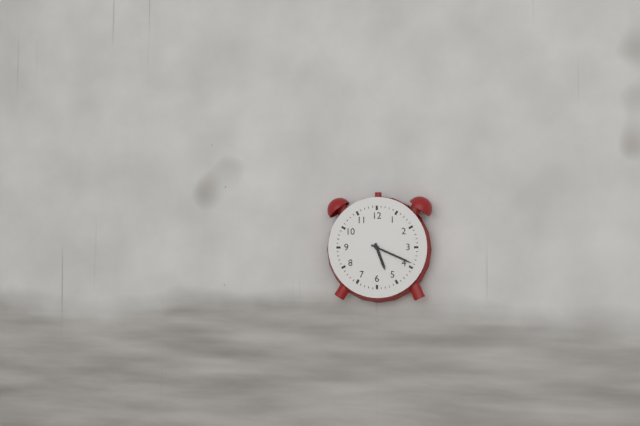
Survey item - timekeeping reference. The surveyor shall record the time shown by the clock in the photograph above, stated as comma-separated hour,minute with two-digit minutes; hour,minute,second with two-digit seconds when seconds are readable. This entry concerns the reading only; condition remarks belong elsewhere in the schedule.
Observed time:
5,19
